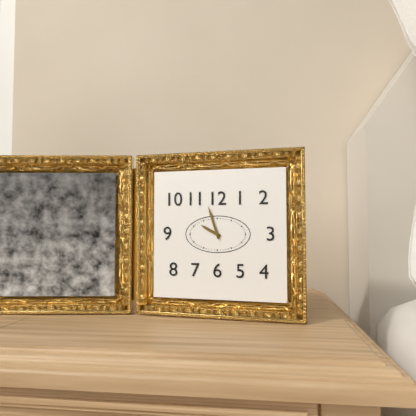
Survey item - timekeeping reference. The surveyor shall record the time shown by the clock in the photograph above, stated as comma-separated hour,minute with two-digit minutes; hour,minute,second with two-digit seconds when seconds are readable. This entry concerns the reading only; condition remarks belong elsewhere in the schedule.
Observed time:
9,57
